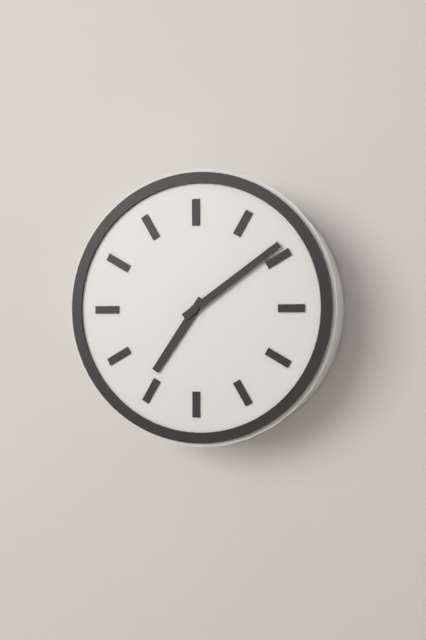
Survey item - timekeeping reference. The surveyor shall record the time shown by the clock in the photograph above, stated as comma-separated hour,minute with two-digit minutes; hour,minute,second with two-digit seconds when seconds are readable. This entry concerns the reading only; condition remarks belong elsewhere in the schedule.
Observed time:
7,09
